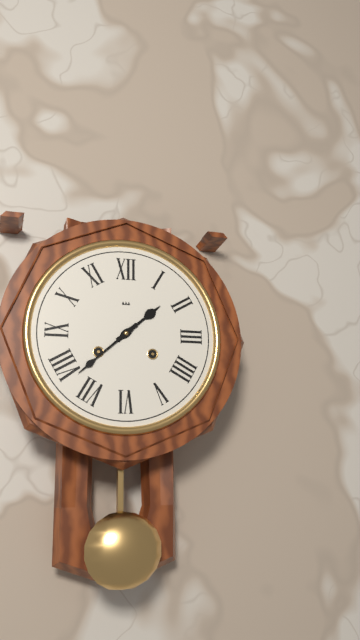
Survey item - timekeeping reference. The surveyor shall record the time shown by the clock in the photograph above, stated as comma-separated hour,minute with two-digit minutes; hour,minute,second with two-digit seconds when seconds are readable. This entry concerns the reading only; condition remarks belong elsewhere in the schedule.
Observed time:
1,38
